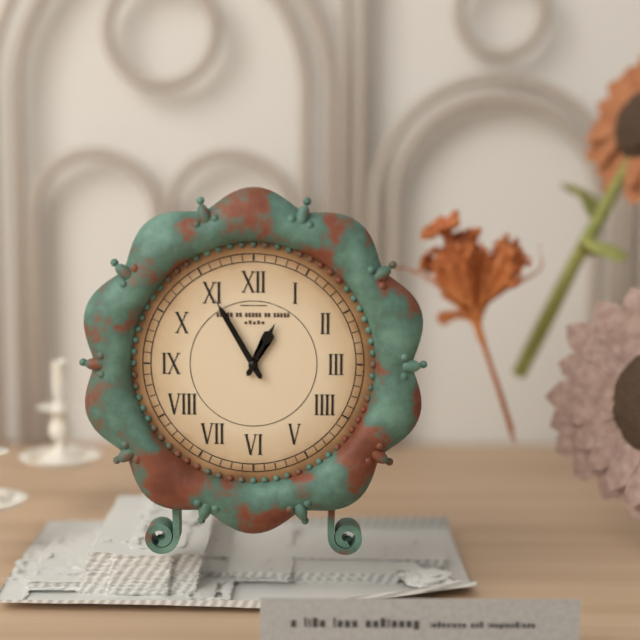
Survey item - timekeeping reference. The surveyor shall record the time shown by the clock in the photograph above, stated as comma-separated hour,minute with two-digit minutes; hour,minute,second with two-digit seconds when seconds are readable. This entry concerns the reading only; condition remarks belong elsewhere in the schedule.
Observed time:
12,55
